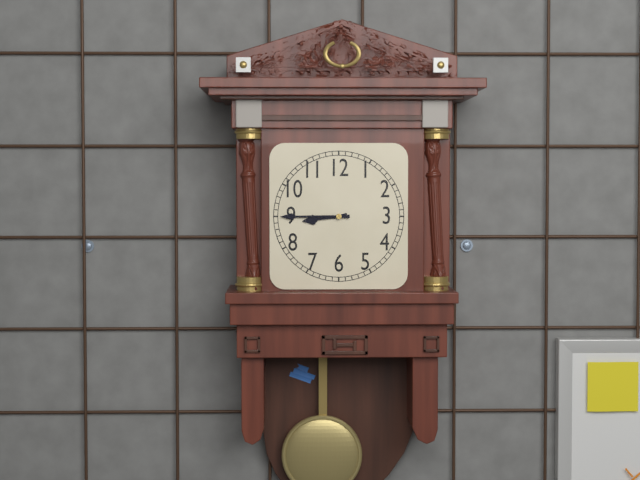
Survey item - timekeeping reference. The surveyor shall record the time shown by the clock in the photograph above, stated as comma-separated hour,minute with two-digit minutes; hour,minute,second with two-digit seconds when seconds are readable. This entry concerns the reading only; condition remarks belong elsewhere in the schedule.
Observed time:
8,45
